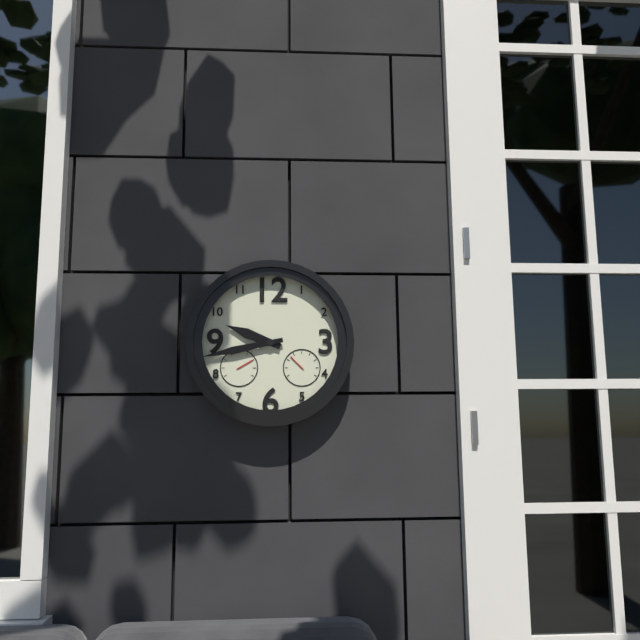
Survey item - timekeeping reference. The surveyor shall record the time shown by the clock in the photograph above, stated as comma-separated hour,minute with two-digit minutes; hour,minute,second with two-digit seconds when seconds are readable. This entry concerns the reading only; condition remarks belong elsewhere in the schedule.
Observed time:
9,43
